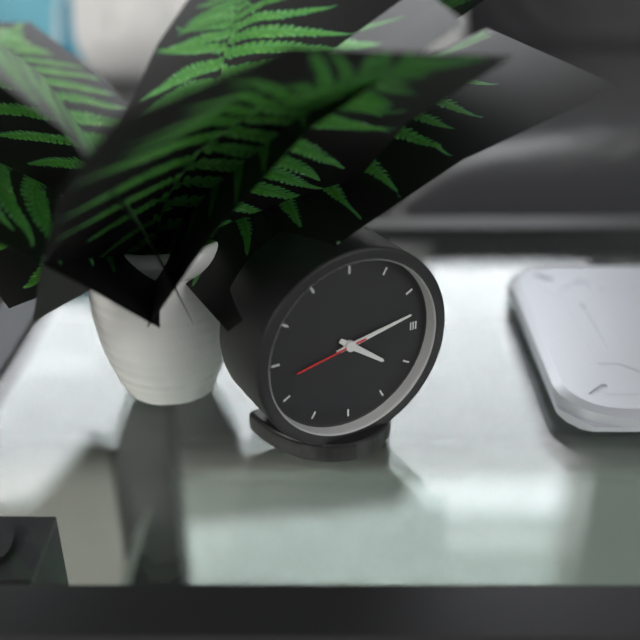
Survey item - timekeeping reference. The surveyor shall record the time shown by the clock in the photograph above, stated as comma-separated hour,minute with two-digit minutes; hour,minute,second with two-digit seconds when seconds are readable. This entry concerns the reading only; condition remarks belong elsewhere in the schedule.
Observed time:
4,13,43
